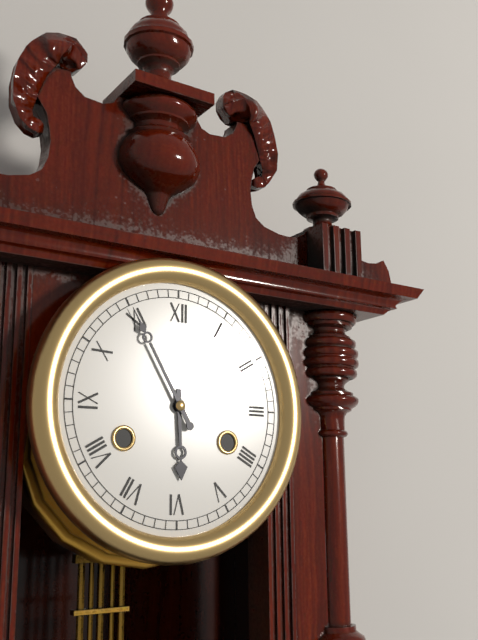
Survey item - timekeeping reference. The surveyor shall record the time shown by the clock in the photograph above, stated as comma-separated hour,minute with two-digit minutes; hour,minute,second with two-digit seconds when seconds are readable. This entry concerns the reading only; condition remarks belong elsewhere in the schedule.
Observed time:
5,55
